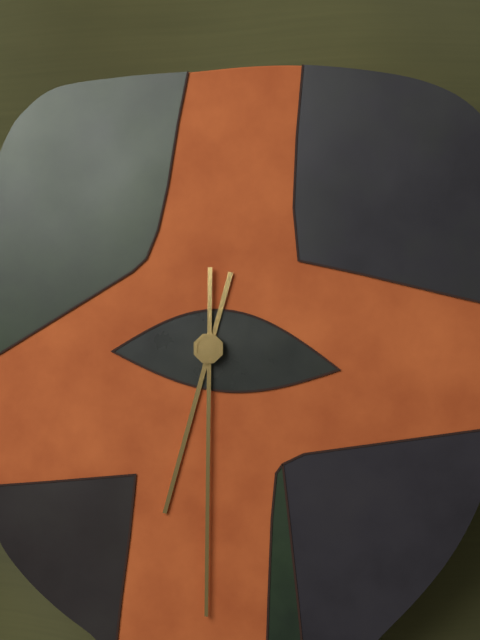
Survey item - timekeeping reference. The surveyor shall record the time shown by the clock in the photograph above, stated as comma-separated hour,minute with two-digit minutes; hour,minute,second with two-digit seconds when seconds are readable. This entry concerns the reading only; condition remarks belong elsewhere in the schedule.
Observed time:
6,30
